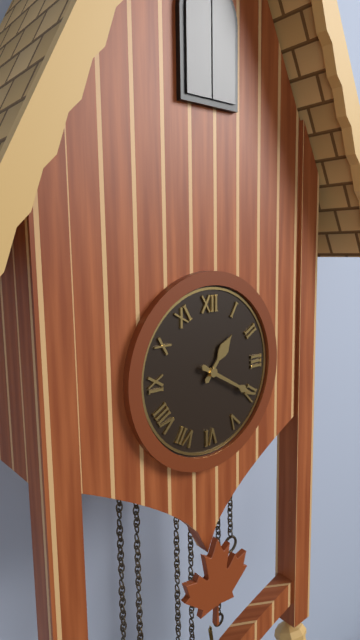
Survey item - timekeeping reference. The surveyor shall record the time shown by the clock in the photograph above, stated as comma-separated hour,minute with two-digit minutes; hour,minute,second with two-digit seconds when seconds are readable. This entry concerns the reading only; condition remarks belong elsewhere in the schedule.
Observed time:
1,20
